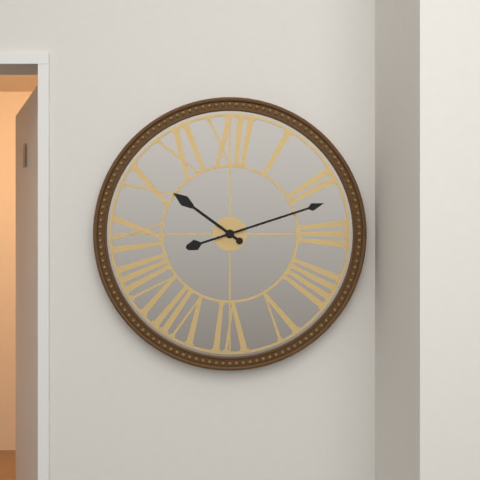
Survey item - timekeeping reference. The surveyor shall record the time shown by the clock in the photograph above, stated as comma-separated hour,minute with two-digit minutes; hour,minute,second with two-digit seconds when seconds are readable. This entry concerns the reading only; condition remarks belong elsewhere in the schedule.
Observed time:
10,12
